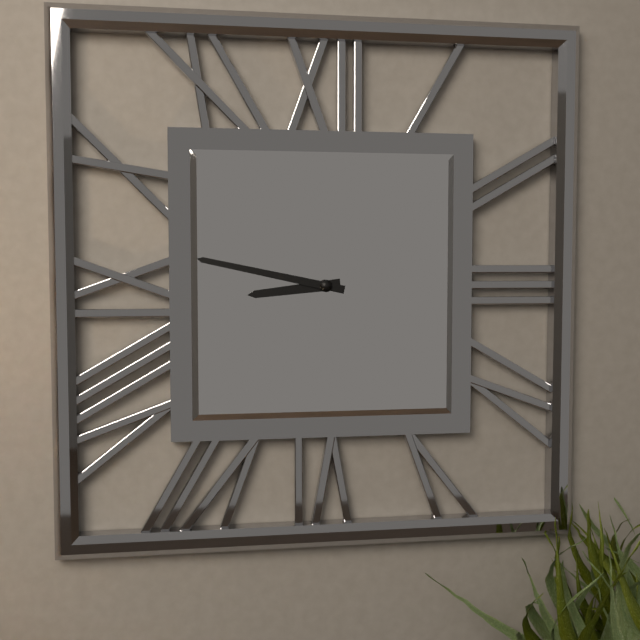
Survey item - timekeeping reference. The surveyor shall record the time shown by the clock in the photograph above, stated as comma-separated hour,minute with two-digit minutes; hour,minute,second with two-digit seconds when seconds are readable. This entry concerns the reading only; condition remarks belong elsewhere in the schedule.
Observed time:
8,47
